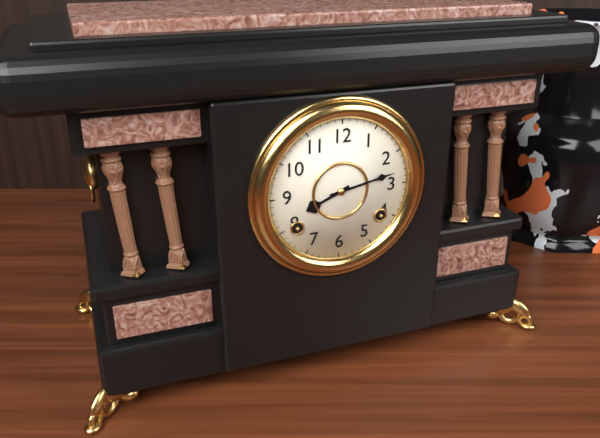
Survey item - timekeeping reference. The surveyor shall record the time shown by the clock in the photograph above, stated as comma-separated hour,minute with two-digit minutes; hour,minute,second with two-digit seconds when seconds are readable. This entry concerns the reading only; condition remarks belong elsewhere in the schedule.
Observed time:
8,13
